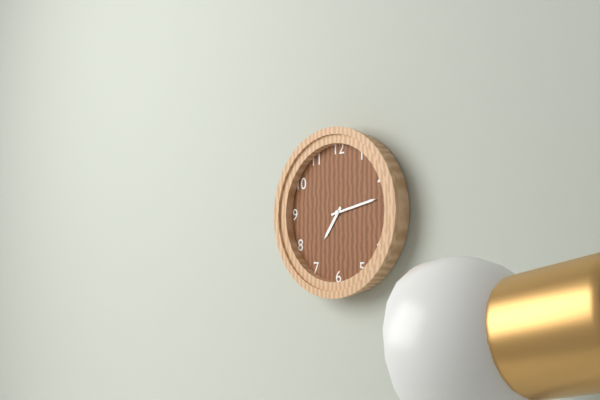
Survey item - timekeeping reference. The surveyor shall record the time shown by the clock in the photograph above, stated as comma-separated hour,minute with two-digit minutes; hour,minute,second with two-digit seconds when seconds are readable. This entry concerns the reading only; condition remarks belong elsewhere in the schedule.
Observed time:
7,13
